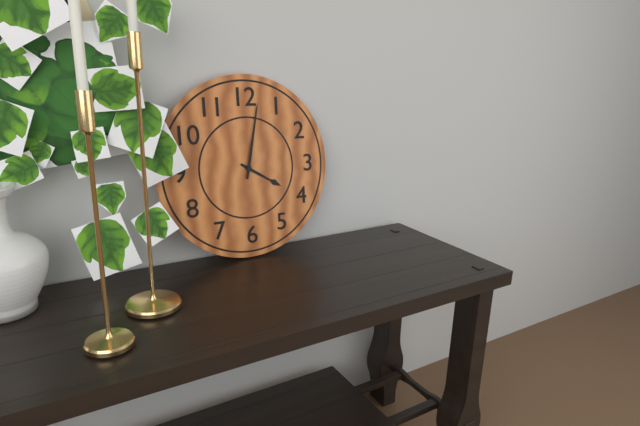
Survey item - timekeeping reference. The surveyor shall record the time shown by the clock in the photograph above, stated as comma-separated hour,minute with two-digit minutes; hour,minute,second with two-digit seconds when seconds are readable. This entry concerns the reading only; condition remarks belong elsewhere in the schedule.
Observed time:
4,02
